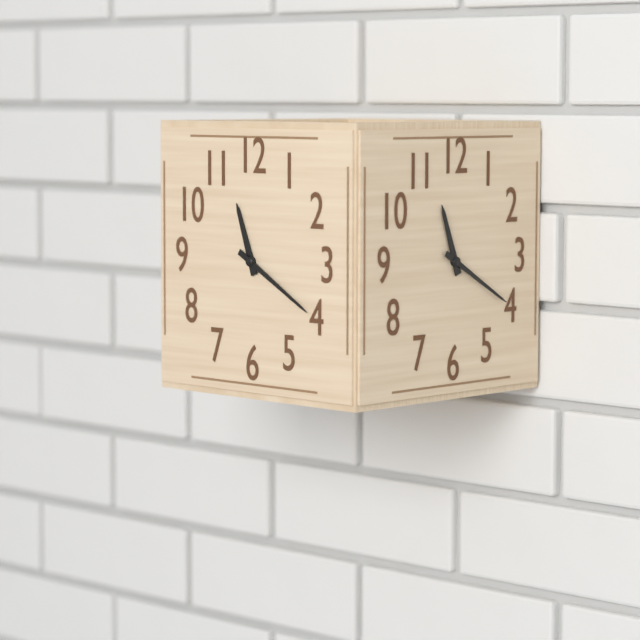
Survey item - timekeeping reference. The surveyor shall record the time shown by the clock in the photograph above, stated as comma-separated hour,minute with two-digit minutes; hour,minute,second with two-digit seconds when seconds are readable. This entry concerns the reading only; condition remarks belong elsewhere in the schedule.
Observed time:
11,20
